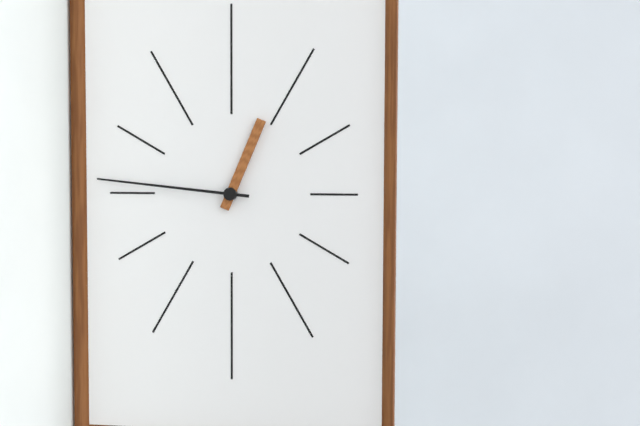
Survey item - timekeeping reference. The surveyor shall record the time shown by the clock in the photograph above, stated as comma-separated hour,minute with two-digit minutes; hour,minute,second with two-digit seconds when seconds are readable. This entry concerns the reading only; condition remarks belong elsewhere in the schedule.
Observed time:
12,46
